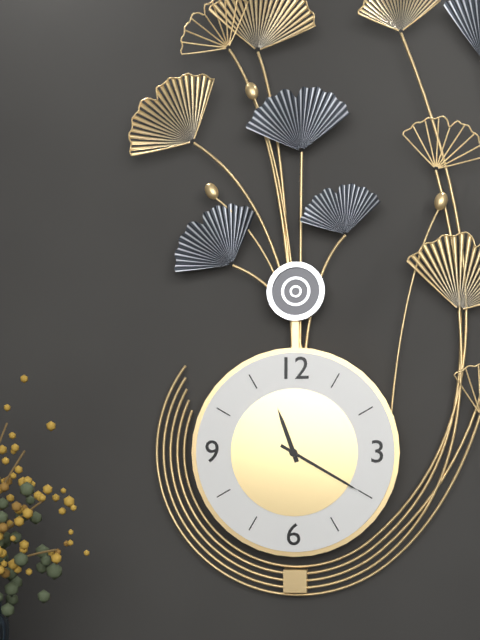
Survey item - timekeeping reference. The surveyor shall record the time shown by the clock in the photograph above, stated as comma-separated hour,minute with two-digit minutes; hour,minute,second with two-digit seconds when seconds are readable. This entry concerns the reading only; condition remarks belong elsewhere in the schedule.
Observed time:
11,20
